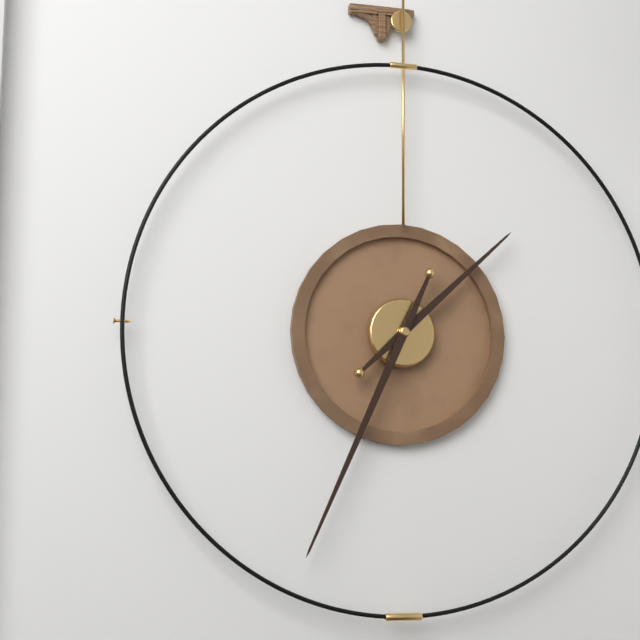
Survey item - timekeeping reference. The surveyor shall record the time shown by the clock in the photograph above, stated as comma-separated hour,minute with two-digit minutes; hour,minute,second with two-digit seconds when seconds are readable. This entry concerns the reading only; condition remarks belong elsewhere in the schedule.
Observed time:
1,34
